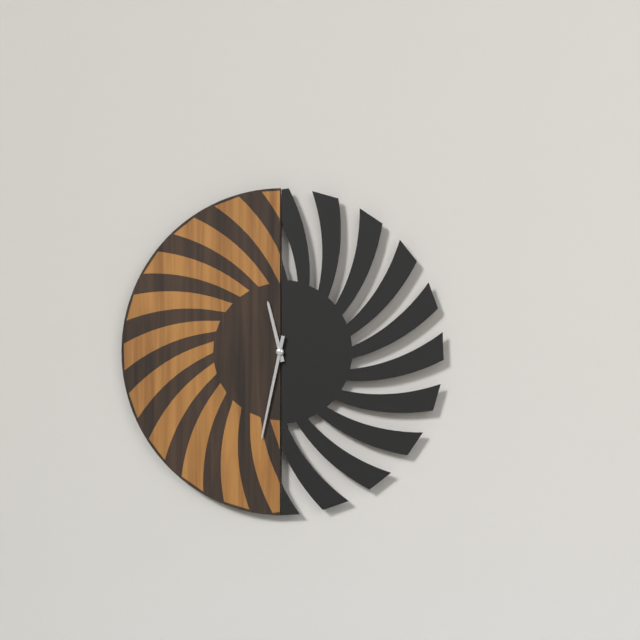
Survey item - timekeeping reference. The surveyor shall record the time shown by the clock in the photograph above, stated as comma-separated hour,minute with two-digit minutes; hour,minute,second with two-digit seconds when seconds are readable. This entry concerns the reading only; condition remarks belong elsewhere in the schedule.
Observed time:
11,32
